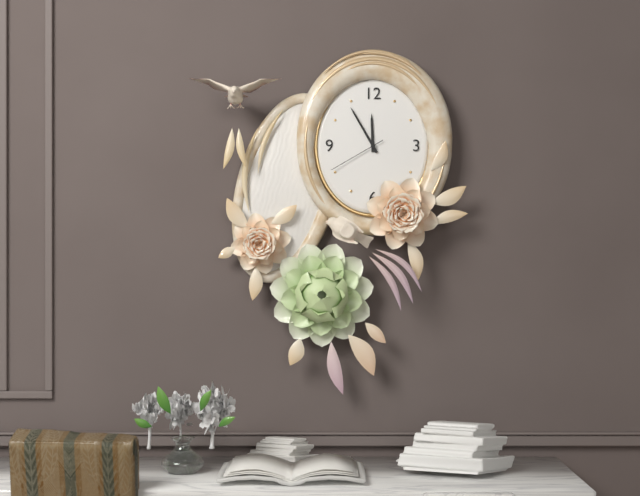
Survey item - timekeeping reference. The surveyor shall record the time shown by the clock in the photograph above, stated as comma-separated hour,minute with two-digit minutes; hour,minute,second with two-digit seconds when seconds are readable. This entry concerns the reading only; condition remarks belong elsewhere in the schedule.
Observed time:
11,55,40
